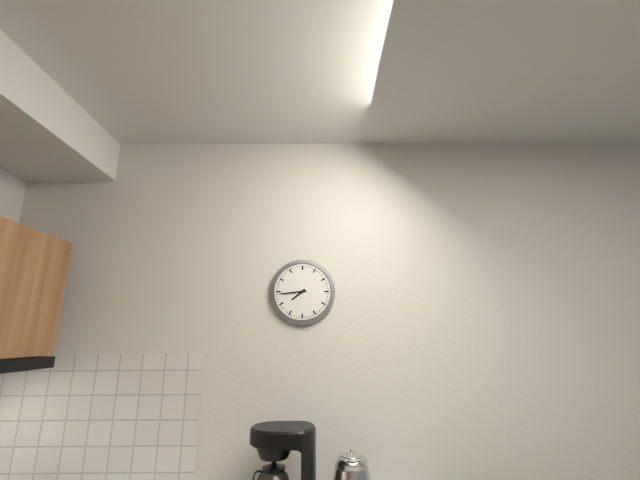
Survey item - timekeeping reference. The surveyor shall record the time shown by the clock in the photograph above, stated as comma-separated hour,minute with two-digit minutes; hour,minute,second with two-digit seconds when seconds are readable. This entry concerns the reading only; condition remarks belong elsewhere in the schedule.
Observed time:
7,44
